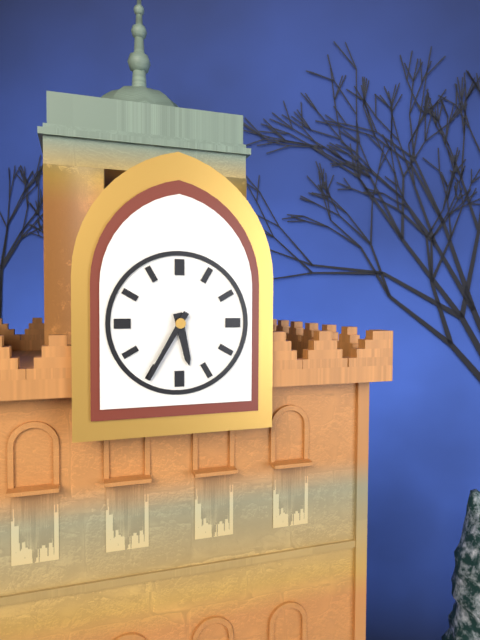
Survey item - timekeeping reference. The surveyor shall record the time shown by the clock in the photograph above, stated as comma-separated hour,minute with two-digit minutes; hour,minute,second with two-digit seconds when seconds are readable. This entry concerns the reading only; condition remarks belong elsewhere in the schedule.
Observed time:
5,35
